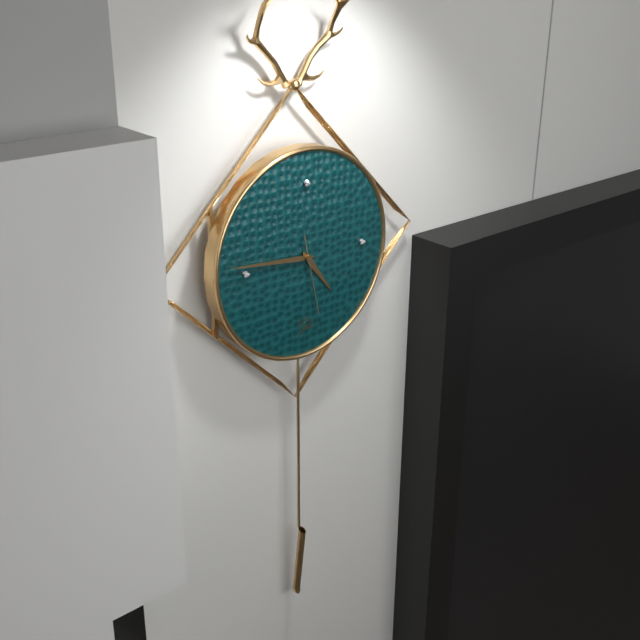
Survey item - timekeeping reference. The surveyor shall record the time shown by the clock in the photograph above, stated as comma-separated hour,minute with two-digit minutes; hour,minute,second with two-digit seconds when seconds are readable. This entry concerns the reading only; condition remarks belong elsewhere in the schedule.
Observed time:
4,46,28
